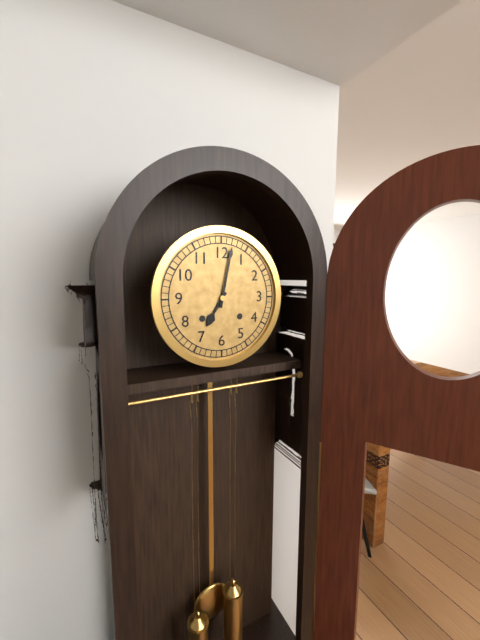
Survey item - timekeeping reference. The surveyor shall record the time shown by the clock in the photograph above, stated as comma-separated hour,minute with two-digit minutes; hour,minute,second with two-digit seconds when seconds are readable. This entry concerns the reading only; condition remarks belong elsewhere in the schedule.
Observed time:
7,02
